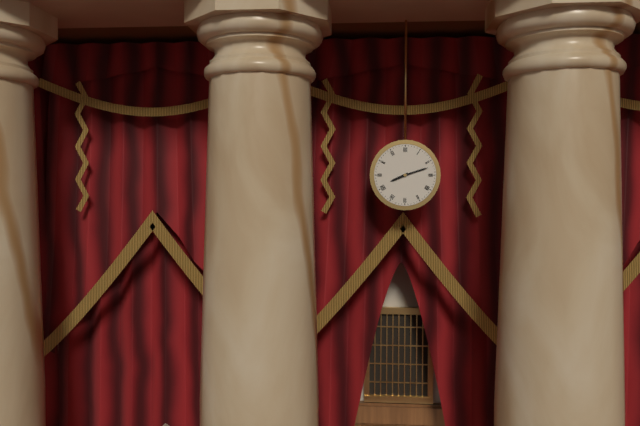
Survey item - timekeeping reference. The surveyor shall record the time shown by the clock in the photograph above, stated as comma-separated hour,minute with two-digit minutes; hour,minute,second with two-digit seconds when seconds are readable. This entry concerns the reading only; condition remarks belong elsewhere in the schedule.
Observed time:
8,12
